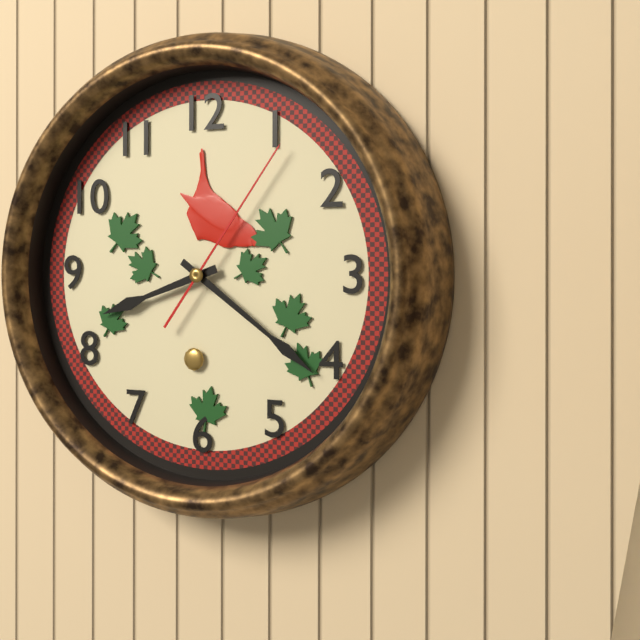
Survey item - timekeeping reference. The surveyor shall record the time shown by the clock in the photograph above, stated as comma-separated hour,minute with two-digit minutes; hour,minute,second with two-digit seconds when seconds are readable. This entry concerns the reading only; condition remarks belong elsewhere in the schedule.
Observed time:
8,21,06
